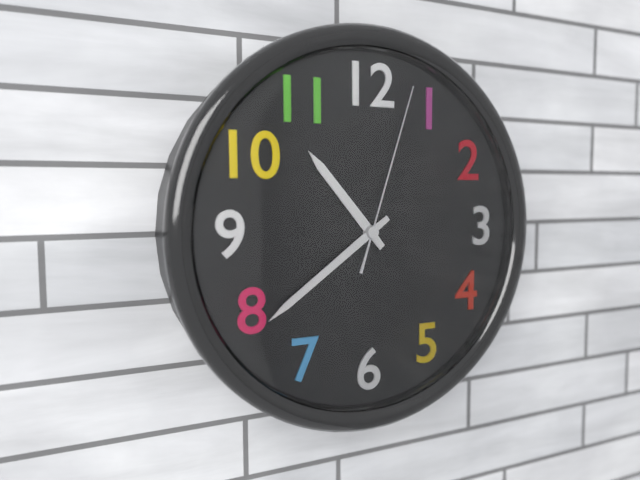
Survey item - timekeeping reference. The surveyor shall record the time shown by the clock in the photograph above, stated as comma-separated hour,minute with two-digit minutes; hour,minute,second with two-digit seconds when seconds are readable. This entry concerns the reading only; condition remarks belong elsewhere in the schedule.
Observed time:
10,39,03
